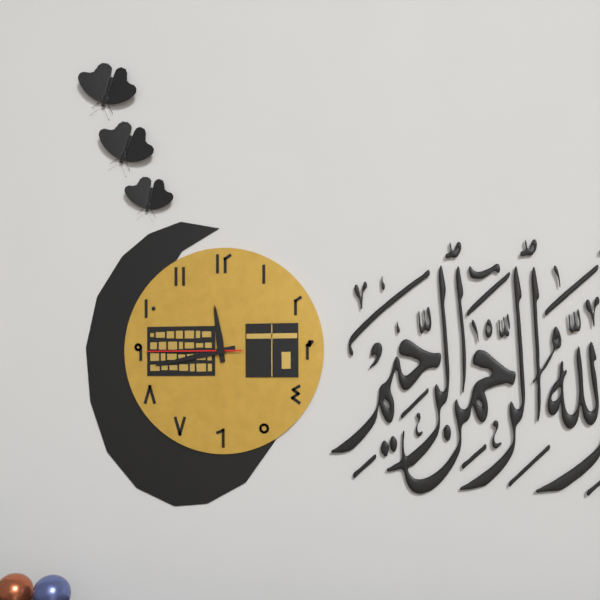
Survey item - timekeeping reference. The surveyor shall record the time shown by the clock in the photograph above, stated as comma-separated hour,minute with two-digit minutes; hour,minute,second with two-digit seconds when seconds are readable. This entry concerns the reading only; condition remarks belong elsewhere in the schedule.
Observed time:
11,43,45
